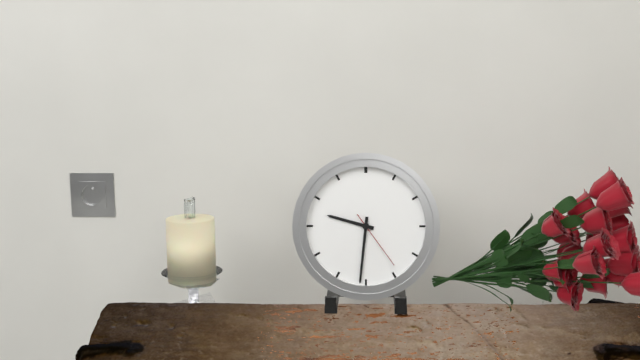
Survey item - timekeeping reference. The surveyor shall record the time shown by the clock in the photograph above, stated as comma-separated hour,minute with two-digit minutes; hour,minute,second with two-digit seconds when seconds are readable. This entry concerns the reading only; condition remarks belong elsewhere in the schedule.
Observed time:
9,31,24
